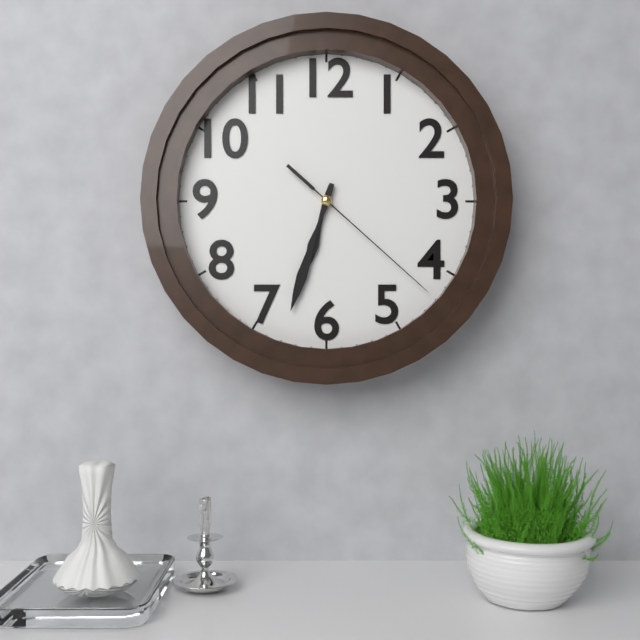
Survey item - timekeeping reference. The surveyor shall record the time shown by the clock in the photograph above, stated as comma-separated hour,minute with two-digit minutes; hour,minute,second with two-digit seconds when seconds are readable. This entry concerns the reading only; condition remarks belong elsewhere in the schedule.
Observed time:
6,33,22
